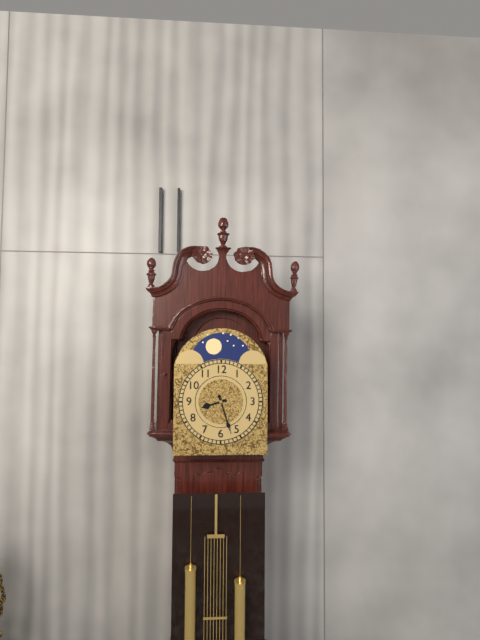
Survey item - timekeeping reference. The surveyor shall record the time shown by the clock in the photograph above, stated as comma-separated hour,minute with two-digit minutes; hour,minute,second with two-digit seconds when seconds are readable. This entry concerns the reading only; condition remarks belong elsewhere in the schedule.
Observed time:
8,27
